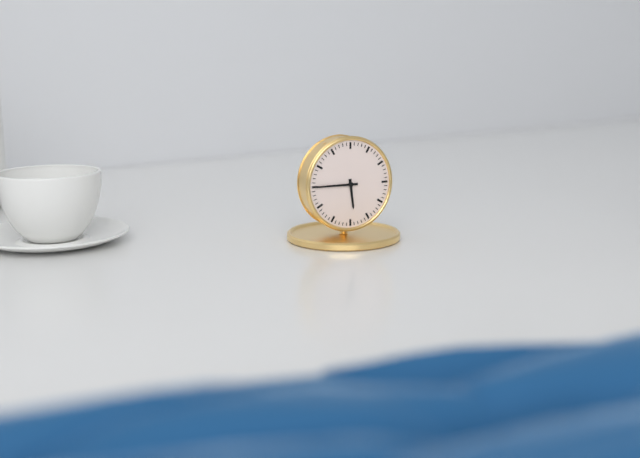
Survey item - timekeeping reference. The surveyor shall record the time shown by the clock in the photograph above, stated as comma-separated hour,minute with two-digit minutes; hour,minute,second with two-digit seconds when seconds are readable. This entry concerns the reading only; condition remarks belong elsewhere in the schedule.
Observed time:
5,45
